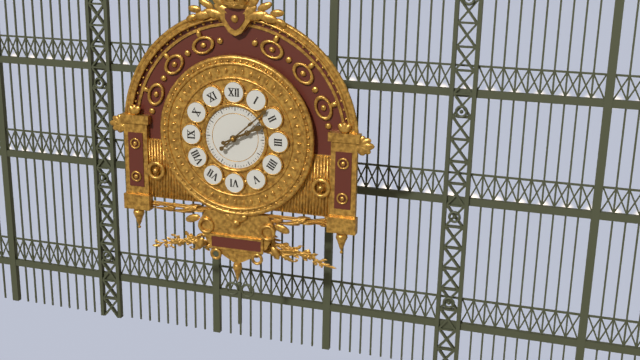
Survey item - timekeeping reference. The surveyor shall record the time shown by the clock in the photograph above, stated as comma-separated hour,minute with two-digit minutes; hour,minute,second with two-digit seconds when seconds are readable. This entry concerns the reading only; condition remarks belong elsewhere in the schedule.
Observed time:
2,08
